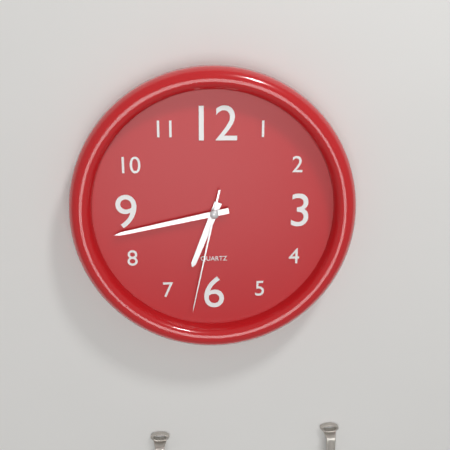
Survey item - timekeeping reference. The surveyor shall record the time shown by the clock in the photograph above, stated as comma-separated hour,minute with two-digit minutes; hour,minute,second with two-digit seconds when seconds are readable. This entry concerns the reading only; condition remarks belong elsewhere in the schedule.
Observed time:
6,43,32
